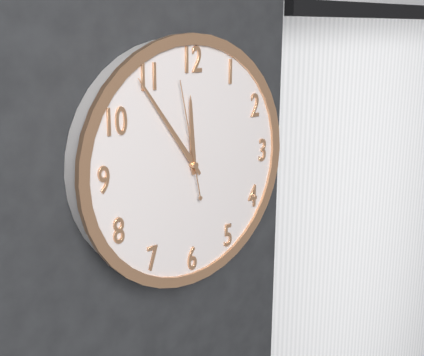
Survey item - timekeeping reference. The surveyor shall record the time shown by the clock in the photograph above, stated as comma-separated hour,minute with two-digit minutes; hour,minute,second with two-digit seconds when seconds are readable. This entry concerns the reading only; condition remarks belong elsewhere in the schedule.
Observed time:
11,54,58
